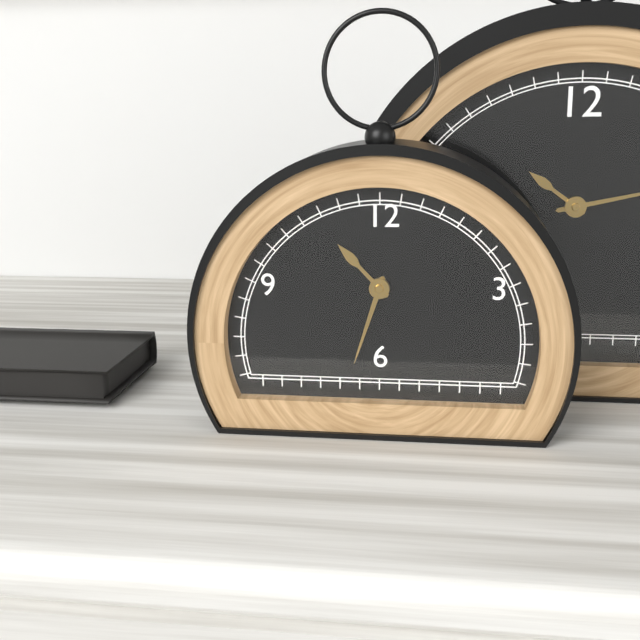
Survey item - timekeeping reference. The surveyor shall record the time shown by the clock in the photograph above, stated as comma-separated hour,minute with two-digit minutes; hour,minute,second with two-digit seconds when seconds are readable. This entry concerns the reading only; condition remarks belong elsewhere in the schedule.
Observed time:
10,33
